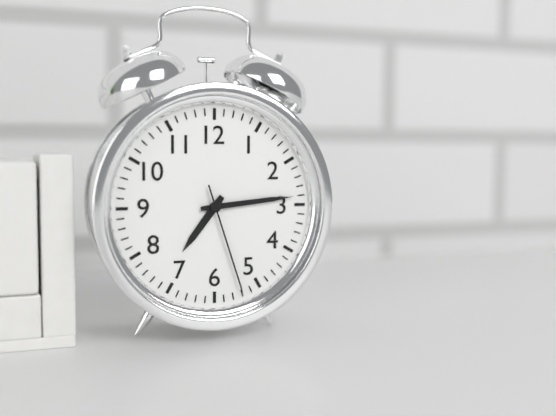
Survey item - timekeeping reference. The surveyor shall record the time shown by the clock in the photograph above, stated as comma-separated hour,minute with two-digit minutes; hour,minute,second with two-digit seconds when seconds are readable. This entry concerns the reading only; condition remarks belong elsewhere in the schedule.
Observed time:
7,14,27
